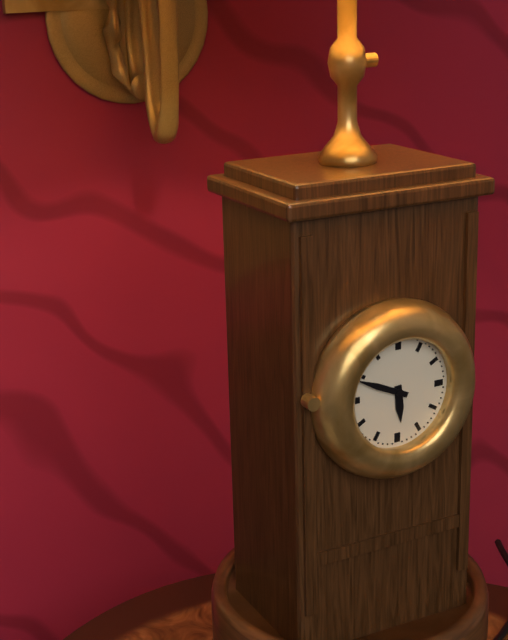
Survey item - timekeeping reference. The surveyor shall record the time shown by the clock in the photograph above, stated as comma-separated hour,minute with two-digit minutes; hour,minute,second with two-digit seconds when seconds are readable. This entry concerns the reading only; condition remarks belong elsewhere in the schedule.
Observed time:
5,49
